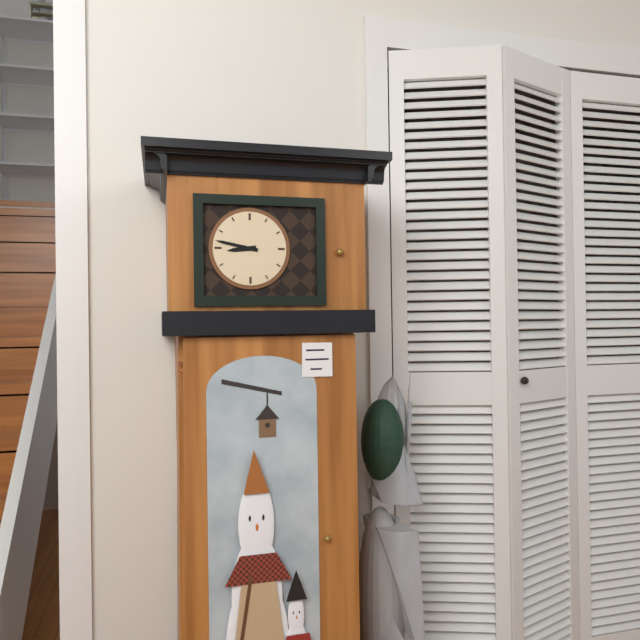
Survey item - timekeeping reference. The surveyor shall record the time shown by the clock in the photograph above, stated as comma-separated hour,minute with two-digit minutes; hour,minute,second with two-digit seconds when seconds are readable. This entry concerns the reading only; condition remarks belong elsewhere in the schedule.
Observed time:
8,47
